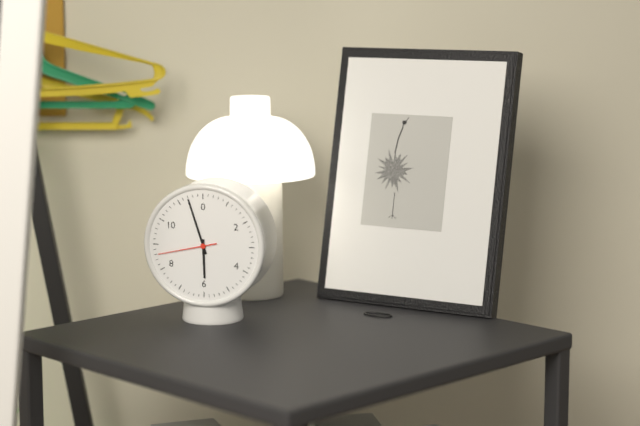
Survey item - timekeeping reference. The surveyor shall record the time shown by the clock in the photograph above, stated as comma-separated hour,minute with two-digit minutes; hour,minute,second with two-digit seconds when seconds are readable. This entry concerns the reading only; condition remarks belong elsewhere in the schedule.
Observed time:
5,57,43
